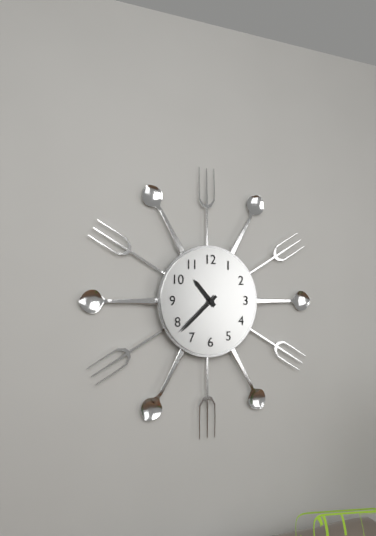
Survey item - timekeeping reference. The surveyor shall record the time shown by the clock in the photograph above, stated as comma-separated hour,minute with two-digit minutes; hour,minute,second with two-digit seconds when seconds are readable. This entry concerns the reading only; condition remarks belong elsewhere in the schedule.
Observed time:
10,38
